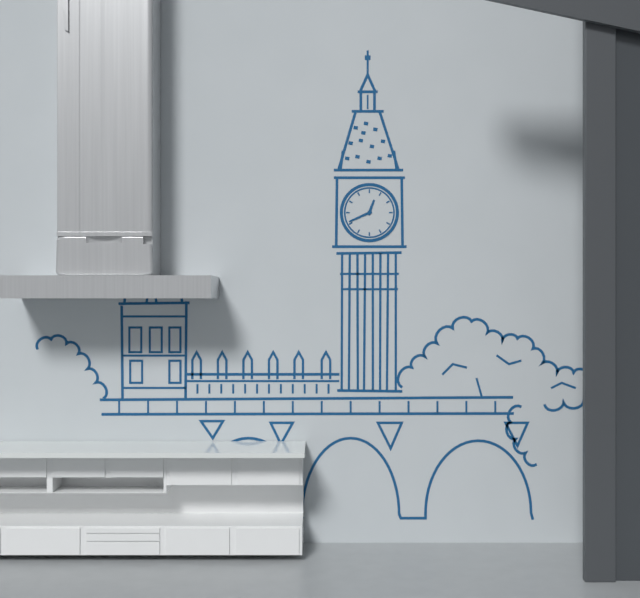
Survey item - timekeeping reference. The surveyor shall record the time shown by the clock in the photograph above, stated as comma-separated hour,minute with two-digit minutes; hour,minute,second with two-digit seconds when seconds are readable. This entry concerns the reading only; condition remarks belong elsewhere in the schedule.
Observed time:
12,41
